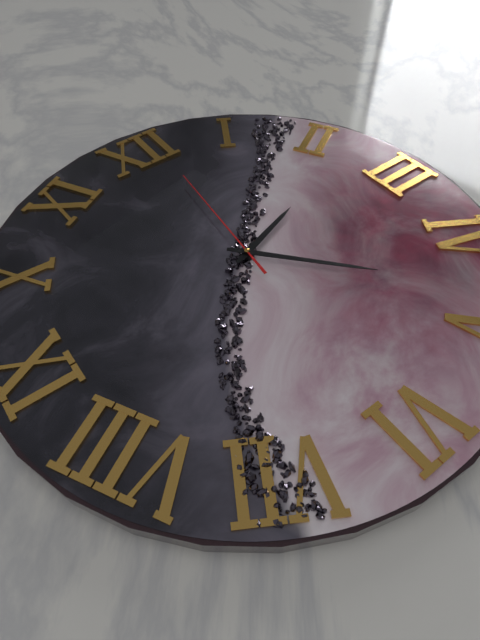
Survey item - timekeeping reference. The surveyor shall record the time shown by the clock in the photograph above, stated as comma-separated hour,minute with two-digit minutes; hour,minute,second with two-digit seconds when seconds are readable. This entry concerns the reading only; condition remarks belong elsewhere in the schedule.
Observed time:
2,23,01
